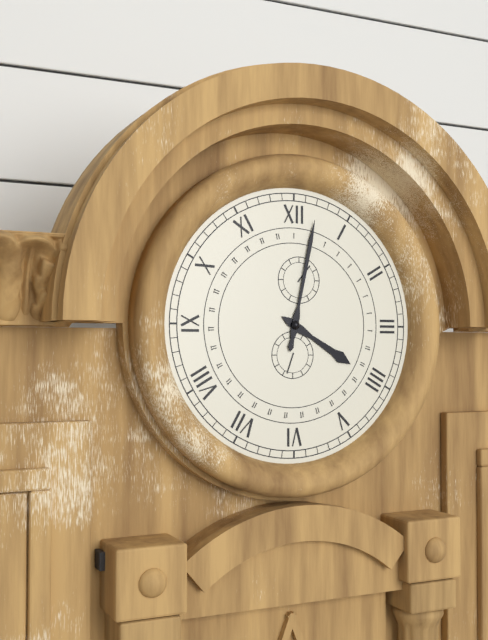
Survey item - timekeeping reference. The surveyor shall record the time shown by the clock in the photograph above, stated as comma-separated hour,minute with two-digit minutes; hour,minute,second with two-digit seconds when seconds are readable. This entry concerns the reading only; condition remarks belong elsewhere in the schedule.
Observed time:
4,02
